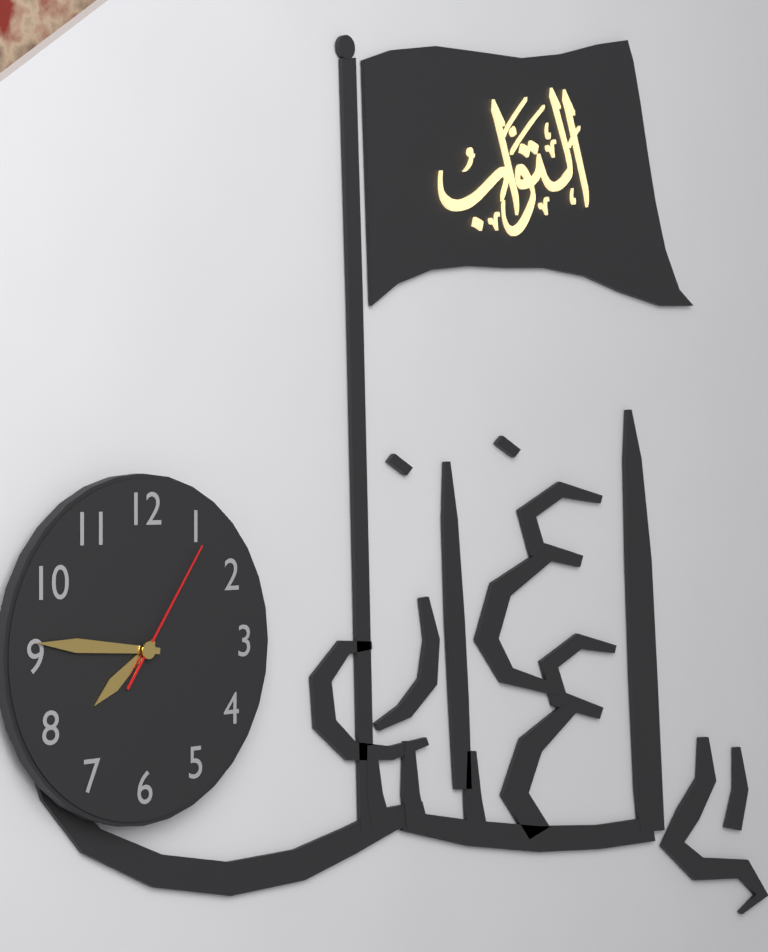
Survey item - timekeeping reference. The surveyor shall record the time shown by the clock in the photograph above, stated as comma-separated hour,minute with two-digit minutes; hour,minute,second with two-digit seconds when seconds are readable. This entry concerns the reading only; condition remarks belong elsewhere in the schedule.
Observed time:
7,46,06
